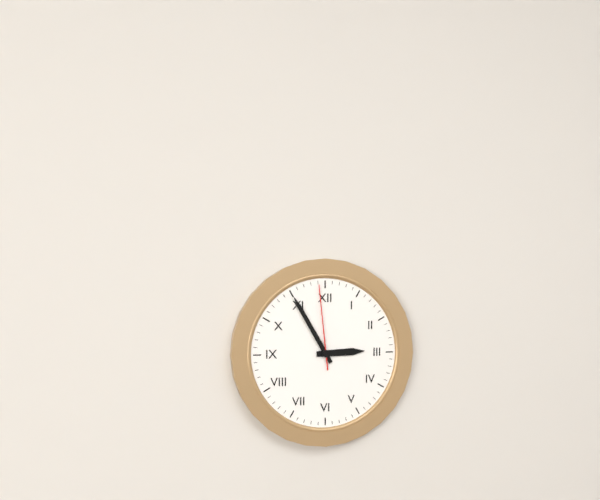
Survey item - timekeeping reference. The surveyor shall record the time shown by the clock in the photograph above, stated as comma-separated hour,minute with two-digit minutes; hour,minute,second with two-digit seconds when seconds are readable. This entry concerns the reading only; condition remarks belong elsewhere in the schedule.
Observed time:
2,55,59
